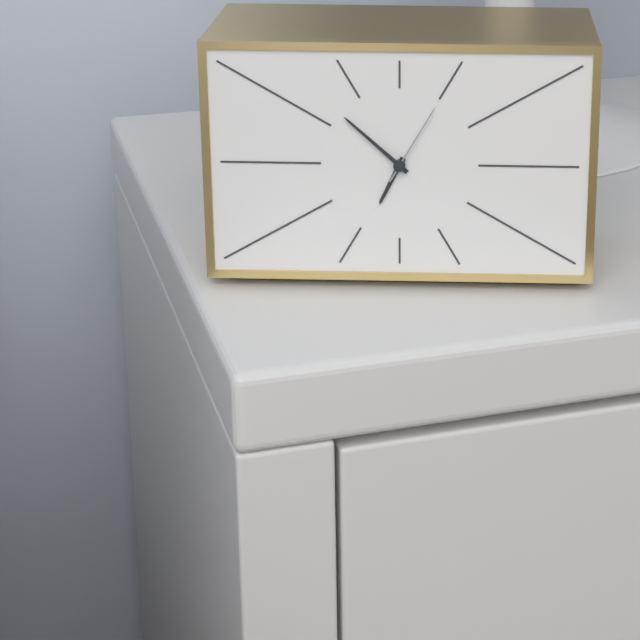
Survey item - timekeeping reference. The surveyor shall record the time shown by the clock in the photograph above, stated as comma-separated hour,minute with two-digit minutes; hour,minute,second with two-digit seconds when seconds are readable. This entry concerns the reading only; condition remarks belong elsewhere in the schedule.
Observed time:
6,52,05
